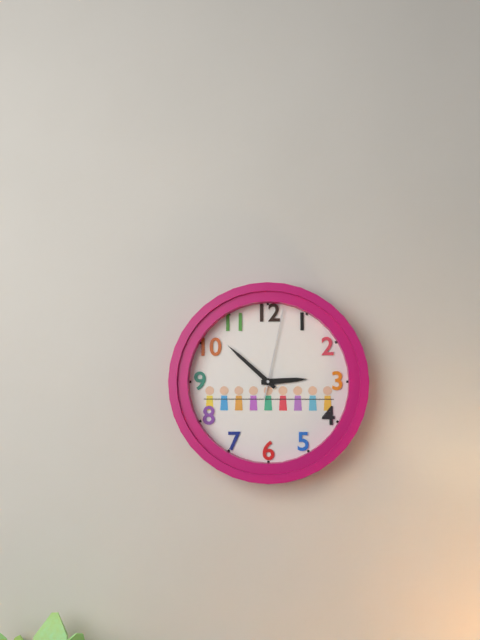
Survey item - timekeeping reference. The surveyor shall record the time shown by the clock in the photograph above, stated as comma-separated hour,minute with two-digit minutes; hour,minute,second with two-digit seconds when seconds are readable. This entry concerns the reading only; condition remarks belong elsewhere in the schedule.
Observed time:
2,52,02
